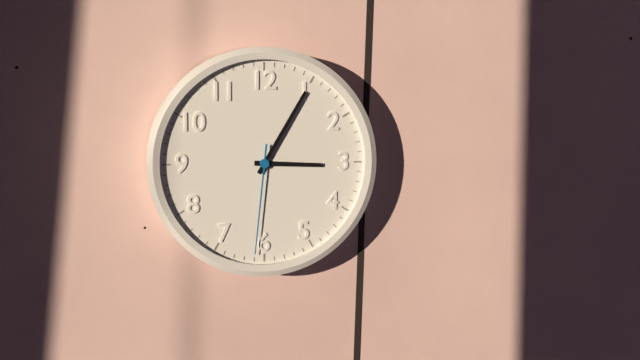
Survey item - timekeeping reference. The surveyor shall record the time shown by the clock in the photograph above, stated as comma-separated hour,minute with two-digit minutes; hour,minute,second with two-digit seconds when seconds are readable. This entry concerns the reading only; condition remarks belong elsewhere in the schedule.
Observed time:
3,05,31
